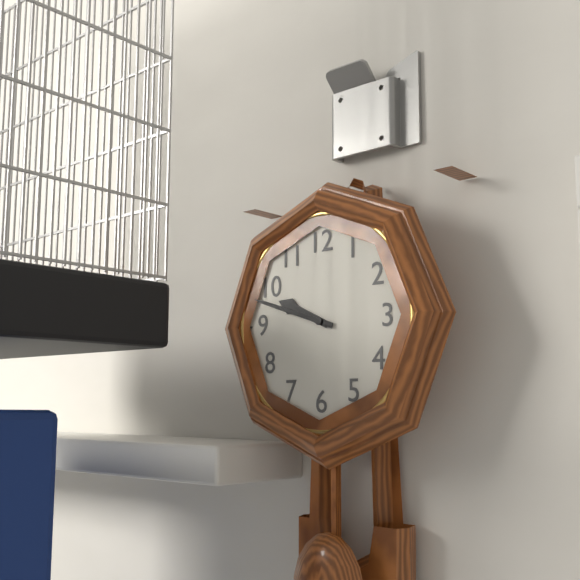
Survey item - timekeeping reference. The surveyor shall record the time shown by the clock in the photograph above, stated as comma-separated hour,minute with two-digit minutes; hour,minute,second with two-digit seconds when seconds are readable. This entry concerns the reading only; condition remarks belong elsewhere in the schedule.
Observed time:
9,48
